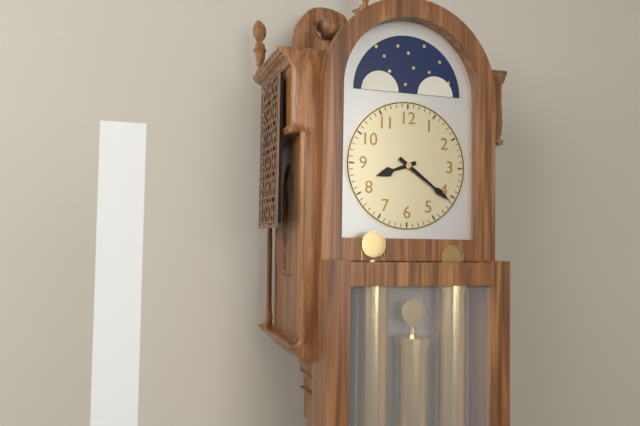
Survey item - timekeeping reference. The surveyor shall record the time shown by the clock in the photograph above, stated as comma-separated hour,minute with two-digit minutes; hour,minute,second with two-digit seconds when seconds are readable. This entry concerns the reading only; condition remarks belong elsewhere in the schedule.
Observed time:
8,21
